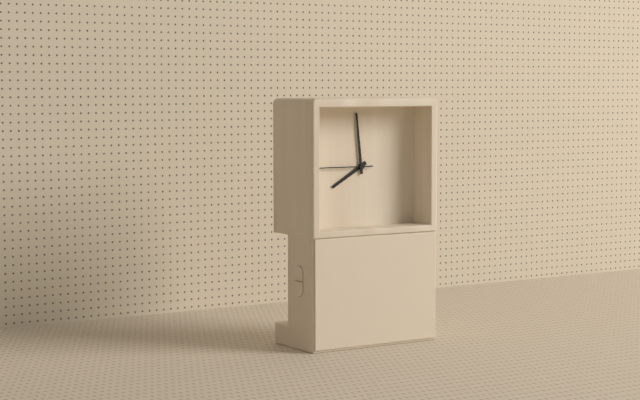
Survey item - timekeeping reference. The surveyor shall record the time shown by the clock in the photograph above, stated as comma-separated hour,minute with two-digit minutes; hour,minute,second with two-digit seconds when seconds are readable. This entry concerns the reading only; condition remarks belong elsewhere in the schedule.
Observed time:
7,59,45
